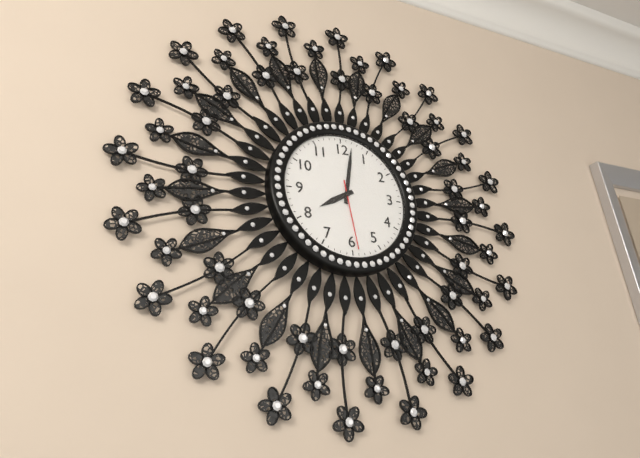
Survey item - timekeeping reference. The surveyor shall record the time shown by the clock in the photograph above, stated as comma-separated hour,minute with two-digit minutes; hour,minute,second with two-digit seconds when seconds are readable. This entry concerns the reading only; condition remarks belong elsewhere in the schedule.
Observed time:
8,02,29
